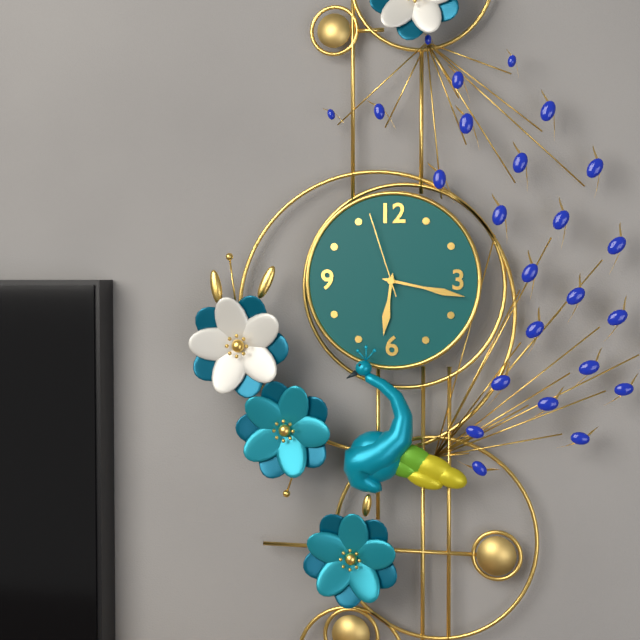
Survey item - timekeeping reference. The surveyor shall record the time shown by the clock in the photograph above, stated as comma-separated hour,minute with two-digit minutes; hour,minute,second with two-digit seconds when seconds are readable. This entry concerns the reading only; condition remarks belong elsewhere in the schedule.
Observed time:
6,17,57
